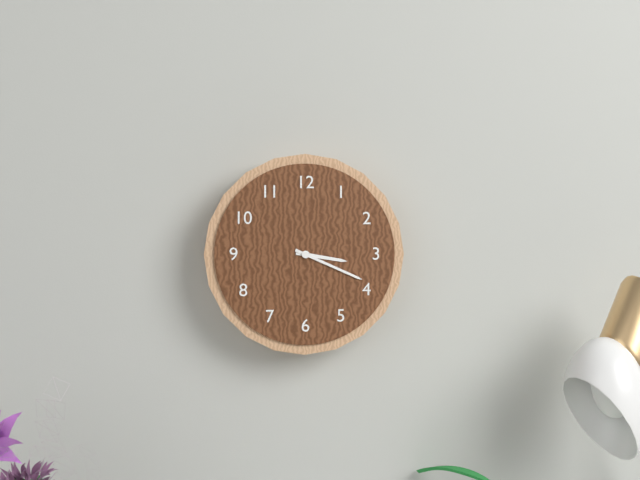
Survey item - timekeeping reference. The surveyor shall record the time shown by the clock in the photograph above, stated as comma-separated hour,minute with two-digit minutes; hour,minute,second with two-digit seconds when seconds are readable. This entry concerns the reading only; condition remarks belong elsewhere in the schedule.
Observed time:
3,19
